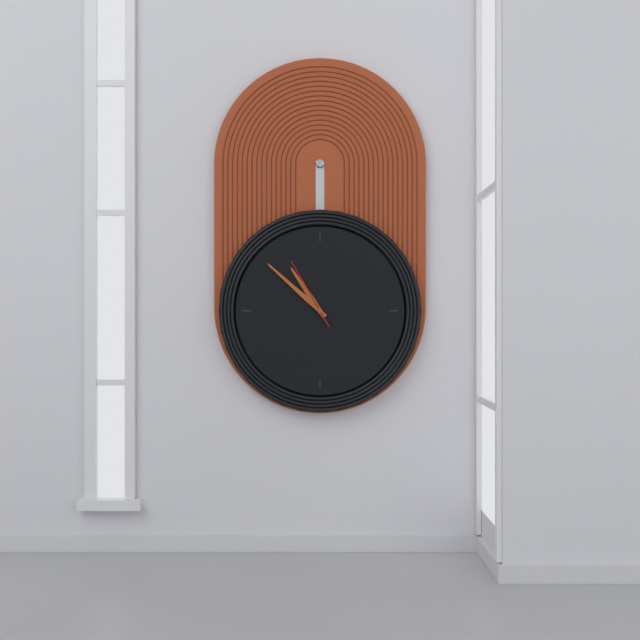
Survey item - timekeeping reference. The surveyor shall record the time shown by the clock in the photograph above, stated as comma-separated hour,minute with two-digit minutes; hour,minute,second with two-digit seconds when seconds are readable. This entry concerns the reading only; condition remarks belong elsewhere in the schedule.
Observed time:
10,52,55
